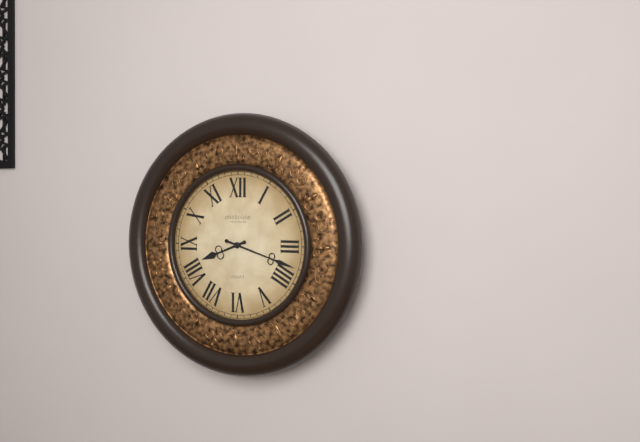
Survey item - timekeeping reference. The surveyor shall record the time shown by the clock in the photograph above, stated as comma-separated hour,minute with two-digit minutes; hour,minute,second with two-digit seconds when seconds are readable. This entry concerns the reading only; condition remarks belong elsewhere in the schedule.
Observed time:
8,18
